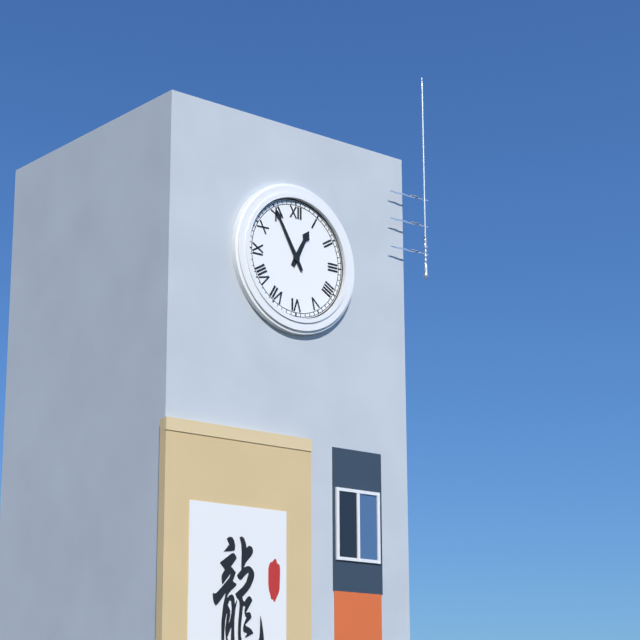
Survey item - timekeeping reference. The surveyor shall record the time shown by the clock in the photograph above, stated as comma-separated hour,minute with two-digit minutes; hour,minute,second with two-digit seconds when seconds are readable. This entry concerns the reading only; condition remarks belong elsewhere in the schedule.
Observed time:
12,55
